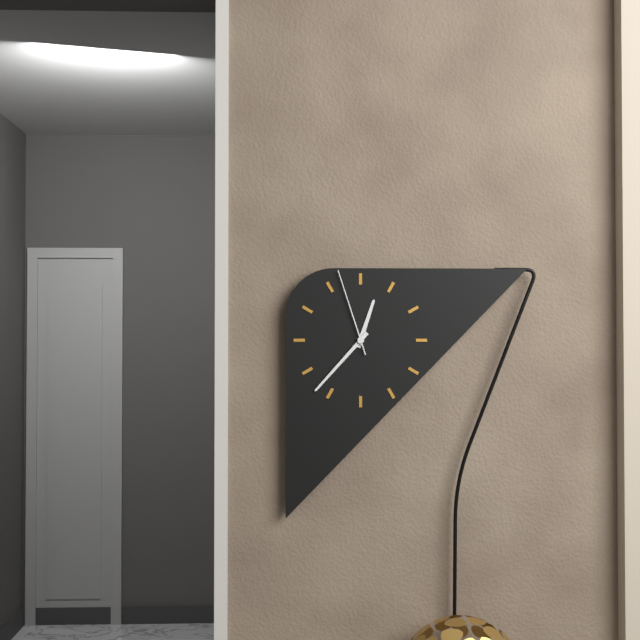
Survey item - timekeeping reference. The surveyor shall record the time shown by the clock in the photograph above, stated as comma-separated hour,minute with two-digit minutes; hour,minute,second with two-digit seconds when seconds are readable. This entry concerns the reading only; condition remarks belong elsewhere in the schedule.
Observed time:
12,37,57
